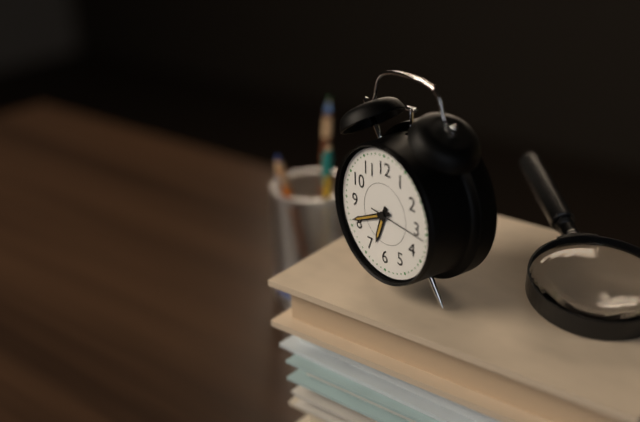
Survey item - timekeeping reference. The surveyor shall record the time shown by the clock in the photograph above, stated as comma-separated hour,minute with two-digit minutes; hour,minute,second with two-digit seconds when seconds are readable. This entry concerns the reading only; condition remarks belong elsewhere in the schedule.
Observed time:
6,41
